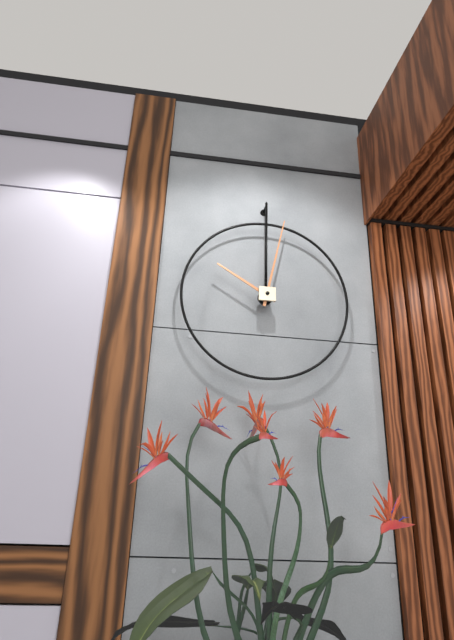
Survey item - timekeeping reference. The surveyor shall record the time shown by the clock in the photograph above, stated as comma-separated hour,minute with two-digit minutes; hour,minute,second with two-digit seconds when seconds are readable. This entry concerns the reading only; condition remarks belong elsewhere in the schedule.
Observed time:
10,02
